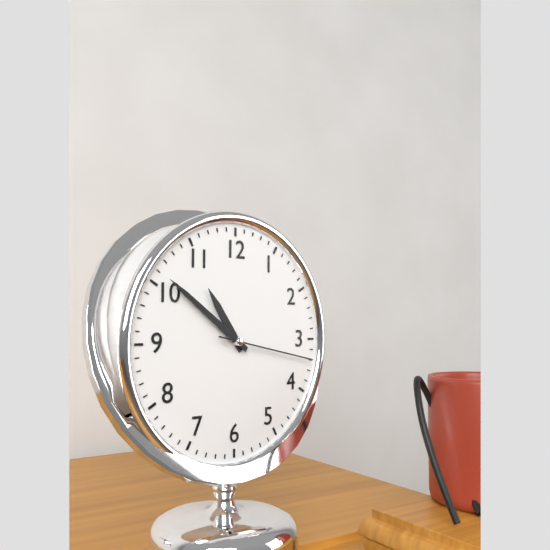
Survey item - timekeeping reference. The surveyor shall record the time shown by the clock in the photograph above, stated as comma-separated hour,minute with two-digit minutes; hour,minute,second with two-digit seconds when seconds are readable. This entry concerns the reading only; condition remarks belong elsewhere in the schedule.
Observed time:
10,51,17
